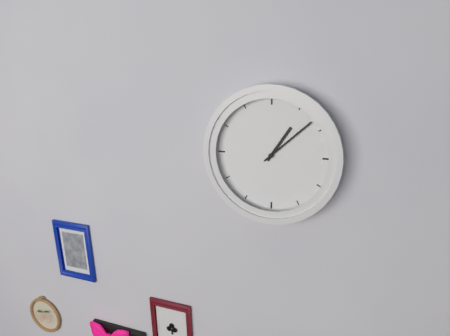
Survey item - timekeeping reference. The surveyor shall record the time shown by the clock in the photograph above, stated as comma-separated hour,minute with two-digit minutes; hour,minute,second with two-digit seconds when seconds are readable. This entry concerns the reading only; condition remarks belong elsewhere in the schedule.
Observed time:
1,08
